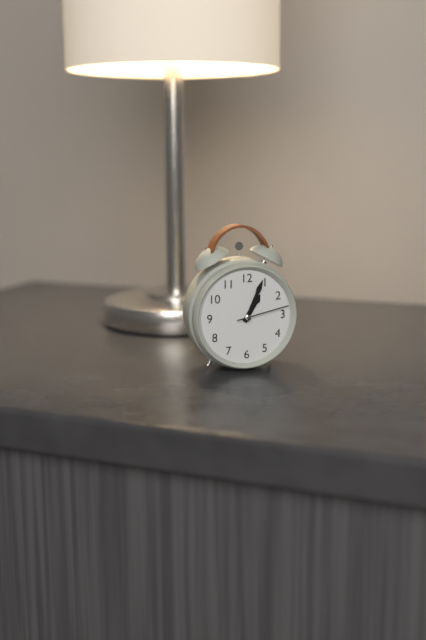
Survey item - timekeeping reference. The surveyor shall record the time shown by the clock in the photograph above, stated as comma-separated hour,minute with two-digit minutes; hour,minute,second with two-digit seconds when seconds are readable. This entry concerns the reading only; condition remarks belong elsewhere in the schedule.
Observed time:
1,04,13
